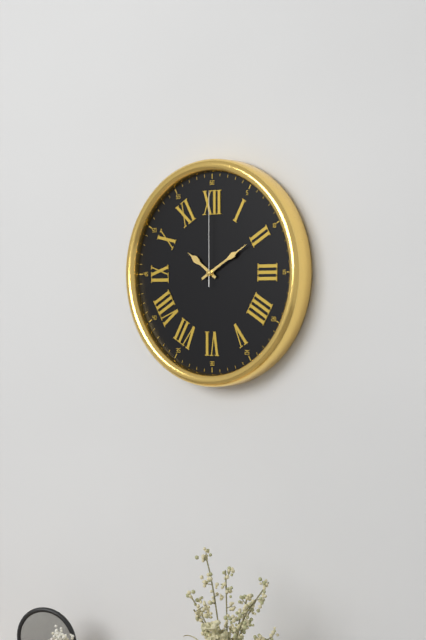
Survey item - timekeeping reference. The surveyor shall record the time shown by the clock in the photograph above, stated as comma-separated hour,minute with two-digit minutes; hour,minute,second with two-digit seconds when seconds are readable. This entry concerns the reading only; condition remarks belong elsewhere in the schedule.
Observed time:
10,10,00
